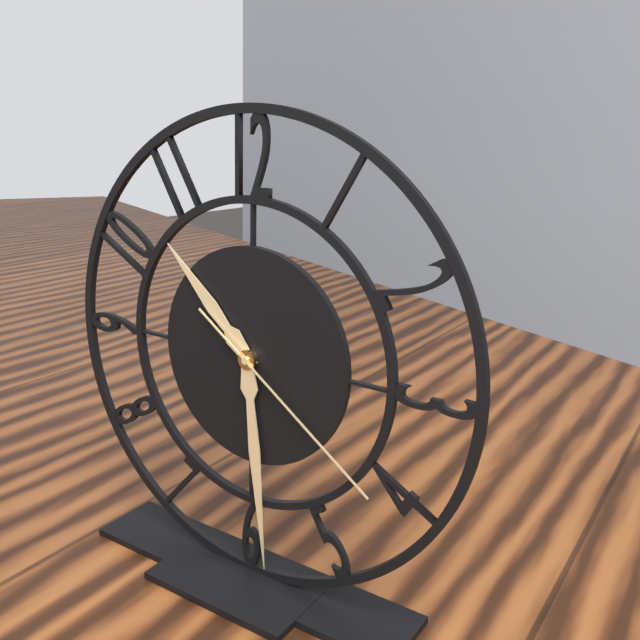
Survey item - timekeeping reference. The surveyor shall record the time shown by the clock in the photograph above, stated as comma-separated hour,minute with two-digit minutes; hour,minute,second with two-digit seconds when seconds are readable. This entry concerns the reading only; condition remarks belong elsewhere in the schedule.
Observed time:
10,29,21
